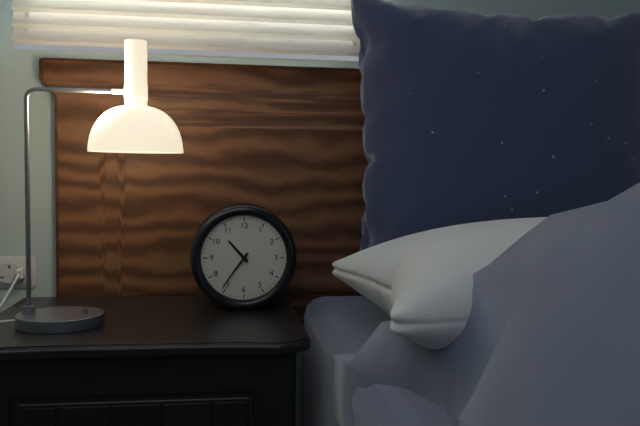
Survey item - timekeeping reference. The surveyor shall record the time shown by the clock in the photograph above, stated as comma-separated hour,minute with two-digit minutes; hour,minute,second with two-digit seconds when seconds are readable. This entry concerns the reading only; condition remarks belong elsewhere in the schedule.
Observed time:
10,36
